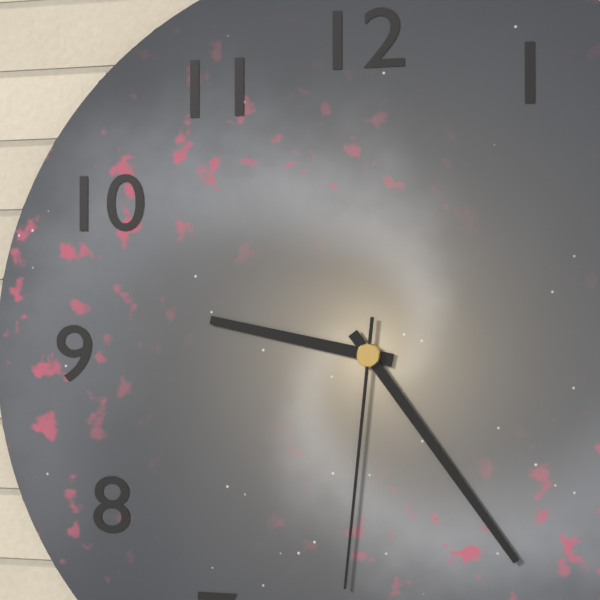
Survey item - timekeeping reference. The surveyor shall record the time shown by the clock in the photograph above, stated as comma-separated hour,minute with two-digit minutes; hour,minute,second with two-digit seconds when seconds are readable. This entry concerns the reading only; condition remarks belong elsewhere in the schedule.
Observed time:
9,24,31
